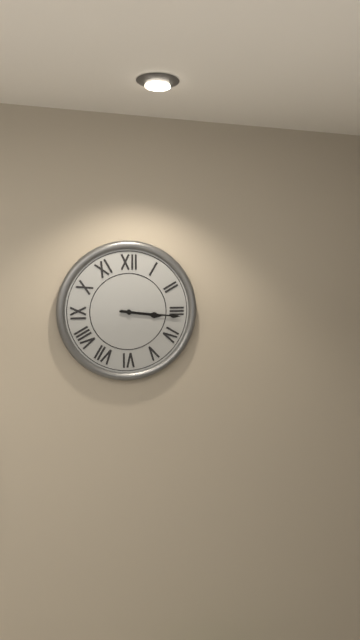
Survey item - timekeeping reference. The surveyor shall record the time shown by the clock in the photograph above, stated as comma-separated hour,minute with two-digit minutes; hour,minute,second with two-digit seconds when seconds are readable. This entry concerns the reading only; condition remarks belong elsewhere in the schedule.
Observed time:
3,16
